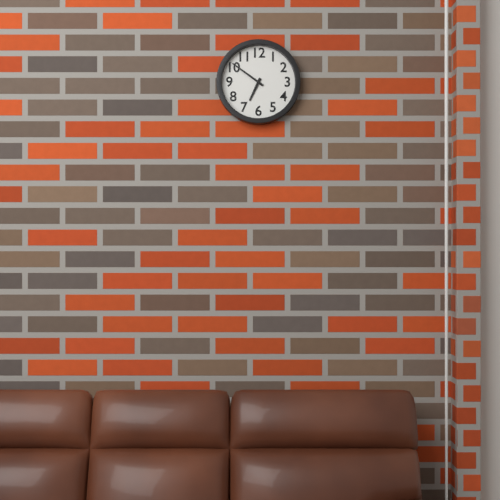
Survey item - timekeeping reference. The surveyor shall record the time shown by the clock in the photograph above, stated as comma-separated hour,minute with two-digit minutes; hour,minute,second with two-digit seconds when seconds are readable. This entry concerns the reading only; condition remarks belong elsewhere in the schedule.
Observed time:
6,51
